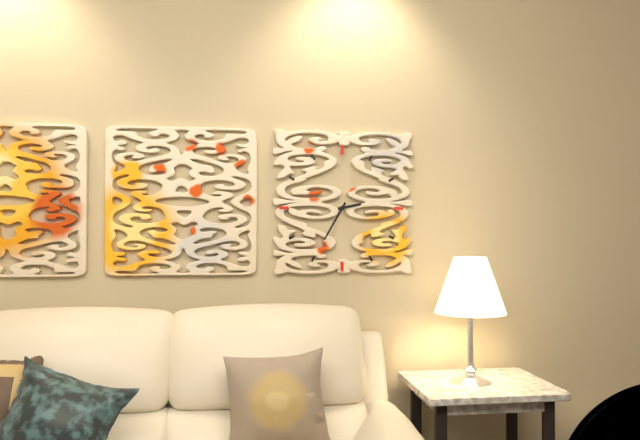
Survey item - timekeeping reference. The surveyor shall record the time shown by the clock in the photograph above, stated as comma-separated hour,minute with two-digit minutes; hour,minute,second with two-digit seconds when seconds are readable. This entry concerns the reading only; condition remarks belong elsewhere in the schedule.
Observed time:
2,35
